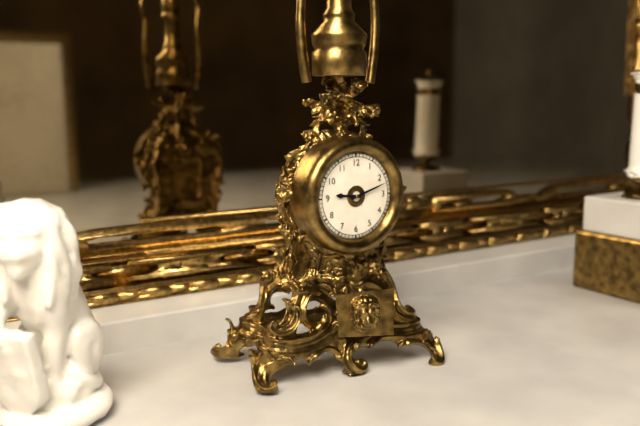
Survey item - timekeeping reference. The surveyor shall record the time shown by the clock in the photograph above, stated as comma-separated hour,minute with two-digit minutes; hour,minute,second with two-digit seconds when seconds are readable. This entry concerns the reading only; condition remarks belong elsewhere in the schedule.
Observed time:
9,12
